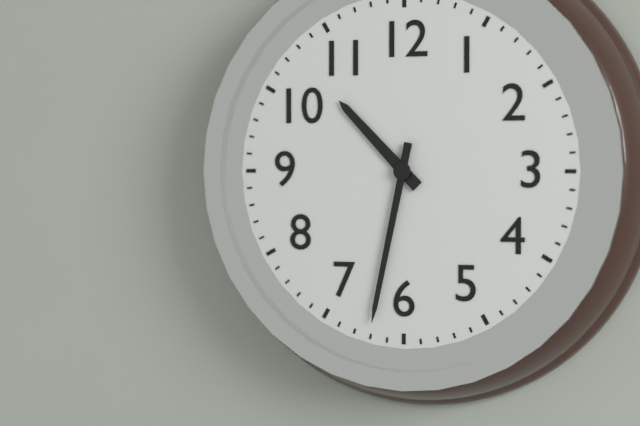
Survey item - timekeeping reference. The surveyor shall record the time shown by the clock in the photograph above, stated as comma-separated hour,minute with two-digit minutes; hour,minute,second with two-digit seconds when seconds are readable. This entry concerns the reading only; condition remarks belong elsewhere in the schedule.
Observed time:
10,32
